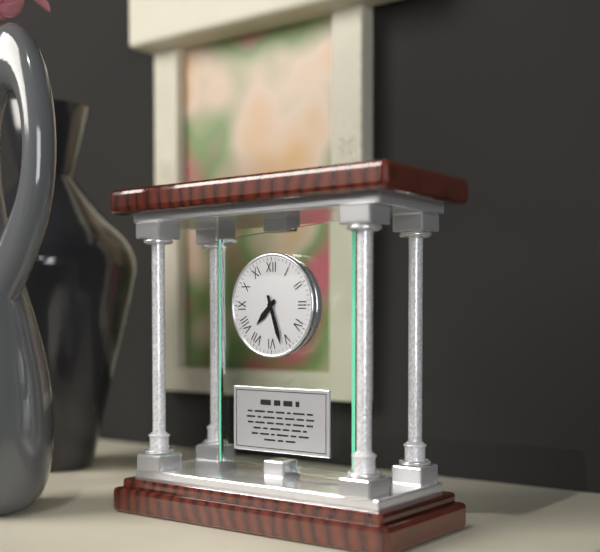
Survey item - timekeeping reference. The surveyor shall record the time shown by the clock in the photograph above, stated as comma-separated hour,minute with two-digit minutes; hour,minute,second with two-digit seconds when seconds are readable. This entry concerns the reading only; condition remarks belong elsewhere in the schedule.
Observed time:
7,27
